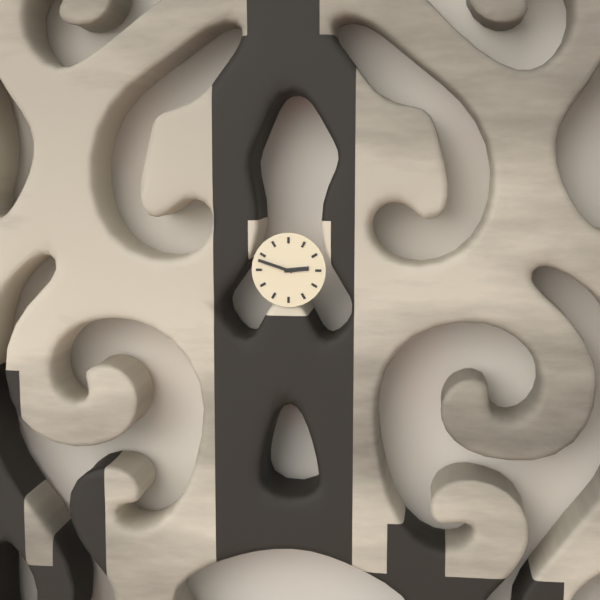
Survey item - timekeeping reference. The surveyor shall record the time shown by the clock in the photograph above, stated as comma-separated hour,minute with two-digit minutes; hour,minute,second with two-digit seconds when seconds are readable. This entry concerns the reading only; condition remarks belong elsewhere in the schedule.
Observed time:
2,48
